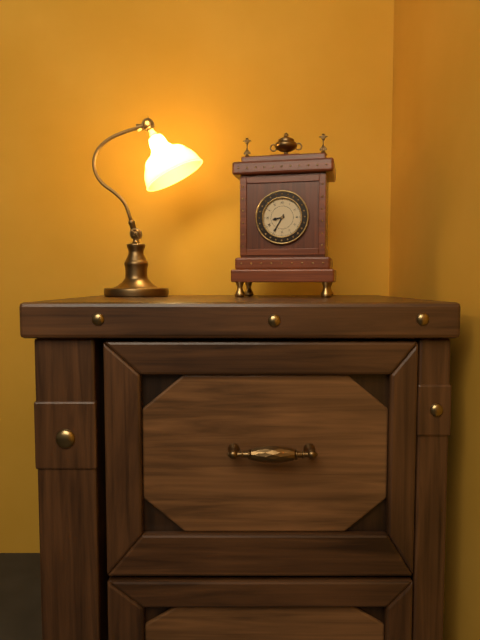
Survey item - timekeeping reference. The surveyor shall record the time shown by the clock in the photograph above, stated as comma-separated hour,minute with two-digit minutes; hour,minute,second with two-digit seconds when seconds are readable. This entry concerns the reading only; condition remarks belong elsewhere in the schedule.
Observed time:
8,35
